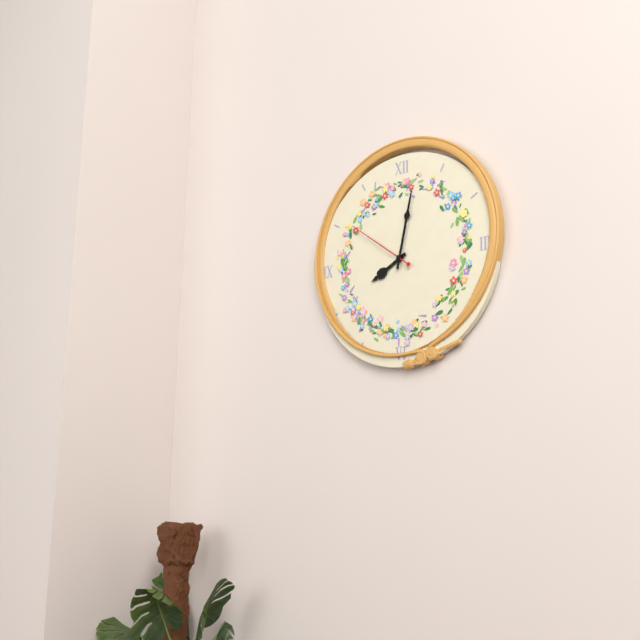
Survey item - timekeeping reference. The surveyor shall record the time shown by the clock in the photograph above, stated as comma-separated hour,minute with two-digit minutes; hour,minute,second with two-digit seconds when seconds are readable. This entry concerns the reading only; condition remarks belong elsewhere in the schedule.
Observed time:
8,02,51
